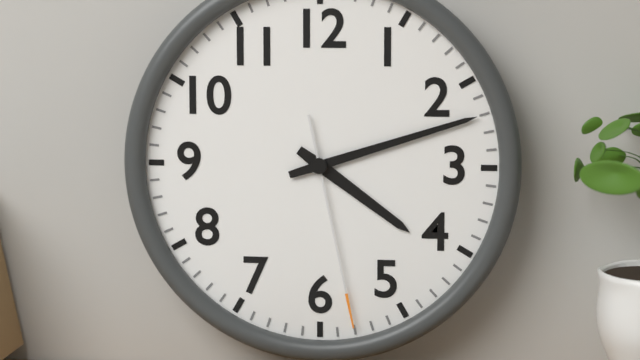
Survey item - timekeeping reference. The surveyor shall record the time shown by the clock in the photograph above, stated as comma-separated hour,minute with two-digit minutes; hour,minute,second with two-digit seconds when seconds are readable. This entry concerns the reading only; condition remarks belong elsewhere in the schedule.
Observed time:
4,12,28
